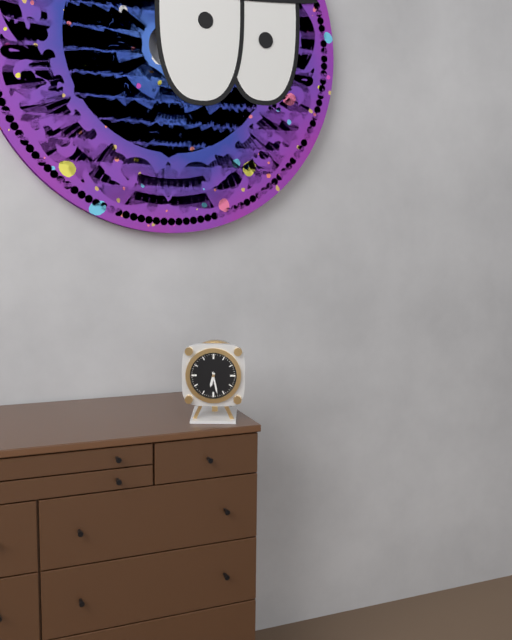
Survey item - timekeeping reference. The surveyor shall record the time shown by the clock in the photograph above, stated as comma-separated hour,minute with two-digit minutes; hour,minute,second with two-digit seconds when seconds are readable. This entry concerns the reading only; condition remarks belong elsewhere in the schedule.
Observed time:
6,28
